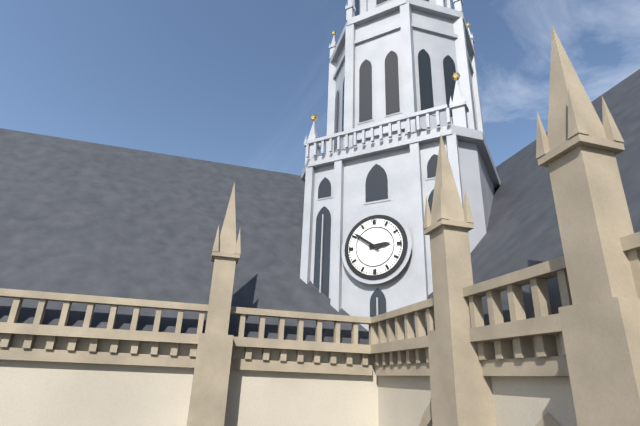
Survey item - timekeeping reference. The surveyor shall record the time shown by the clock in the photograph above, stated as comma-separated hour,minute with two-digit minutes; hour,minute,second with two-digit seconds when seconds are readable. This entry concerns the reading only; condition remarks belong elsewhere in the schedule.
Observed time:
2,51
